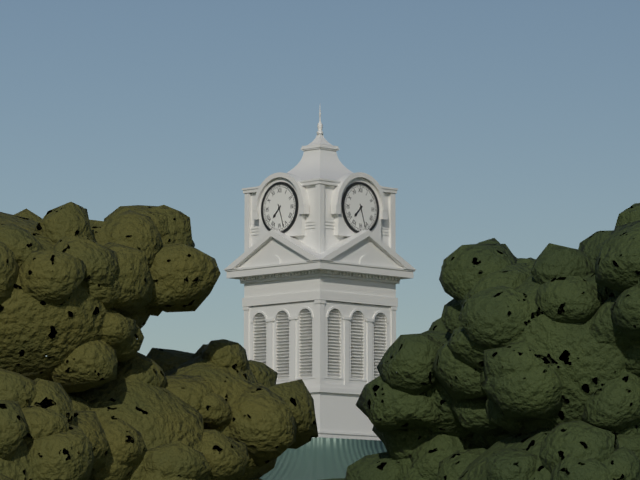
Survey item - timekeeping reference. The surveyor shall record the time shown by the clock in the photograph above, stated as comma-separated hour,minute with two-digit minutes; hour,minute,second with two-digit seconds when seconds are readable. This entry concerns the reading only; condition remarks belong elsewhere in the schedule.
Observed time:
7,27
